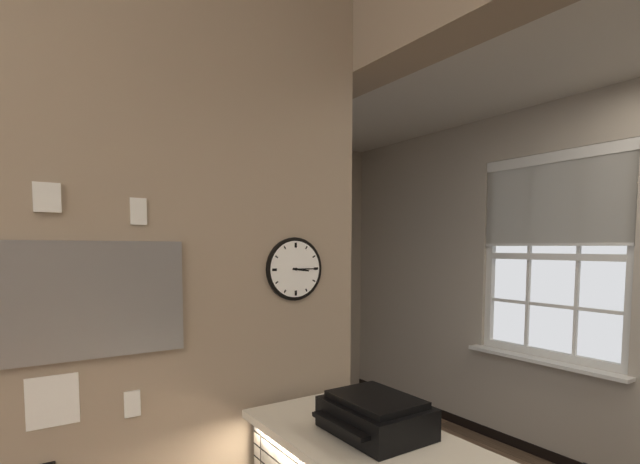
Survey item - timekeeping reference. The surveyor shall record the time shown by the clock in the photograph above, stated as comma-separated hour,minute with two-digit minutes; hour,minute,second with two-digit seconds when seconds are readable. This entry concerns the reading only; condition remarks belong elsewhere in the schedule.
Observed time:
3,15
